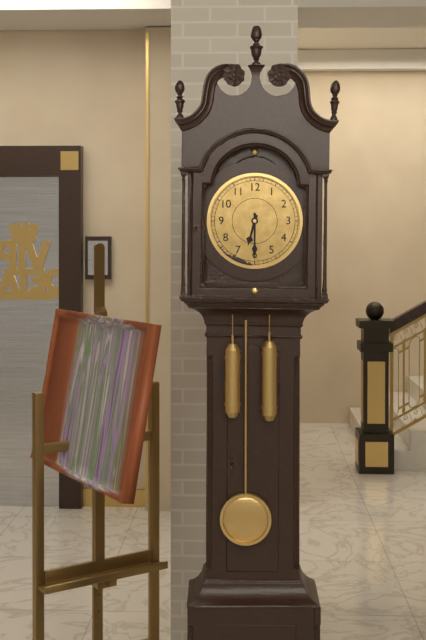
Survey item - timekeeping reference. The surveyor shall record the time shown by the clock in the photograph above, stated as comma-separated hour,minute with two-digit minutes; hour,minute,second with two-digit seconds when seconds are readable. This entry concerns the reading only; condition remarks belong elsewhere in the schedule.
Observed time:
6,30
